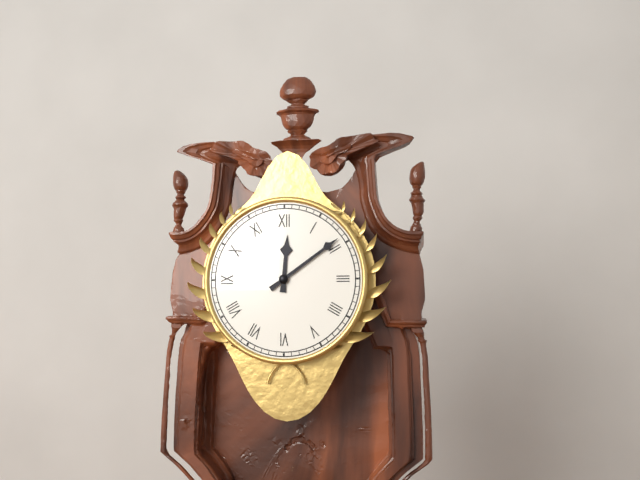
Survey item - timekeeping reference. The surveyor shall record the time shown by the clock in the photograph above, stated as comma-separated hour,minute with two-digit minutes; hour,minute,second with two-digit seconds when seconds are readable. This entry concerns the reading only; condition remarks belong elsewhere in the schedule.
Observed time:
12,09
